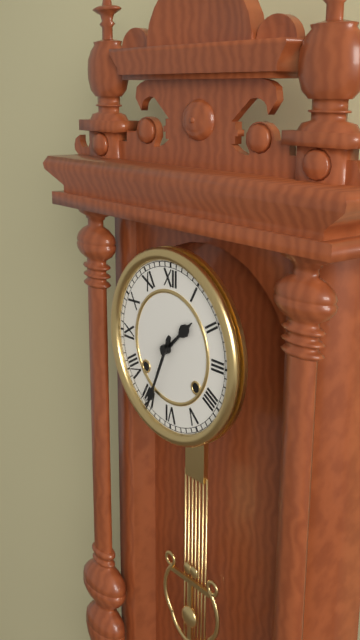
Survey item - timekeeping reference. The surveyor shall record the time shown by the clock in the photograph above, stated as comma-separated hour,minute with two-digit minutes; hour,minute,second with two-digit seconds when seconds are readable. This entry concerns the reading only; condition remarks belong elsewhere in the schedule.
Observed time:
1,34
